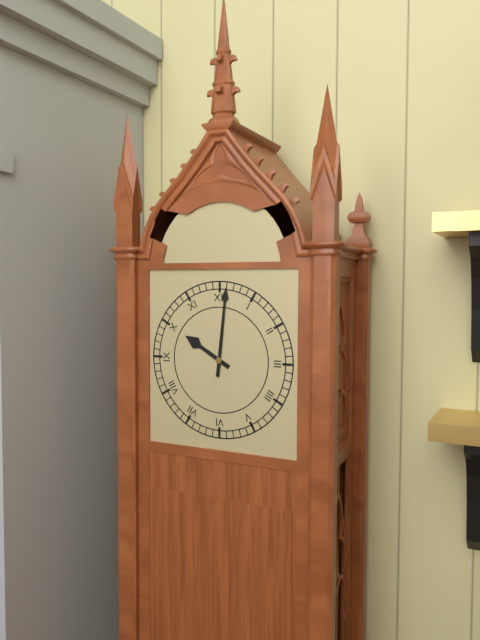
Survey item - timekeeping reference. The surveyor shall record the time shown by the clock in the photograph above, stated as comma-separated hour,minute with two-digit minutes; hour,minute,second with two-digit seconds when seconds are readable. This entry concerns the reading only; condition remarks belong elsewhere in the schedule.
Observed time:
10,01
